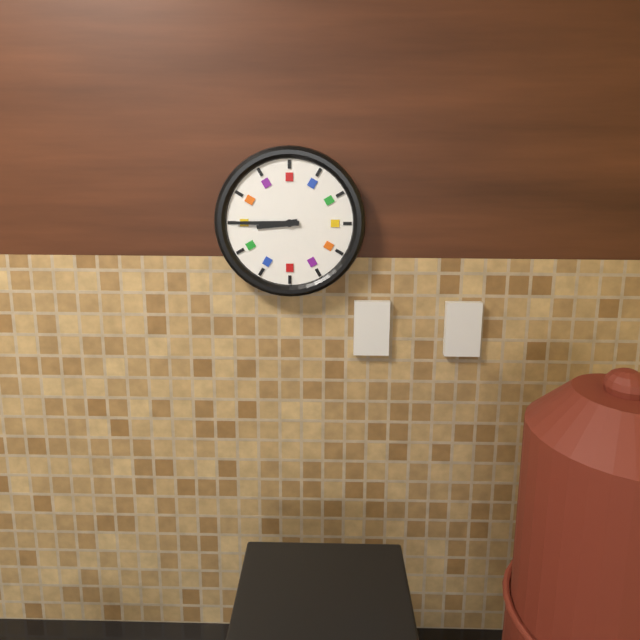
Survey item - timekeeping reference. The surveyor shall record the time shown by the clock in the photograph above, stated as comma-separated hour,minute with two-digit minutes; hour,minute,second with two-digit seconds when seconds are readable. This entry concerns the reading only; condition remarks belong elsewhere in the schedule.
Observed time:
8,45
